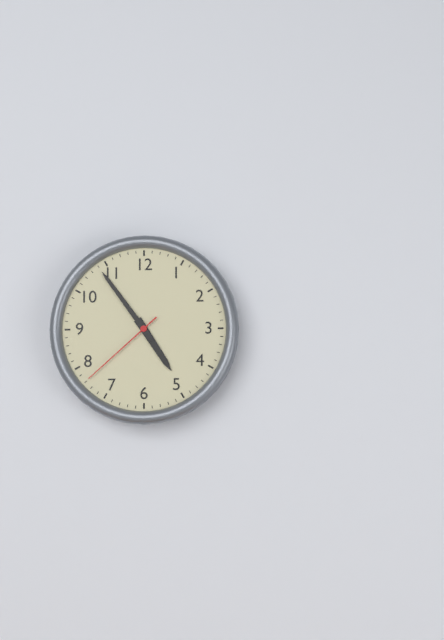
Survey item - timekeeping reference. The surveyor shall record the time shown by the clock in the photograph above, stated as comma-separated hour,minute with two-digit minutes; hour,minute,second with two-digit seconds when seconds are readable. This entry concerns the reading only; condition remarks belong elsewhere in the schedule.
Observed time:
4,54,38
